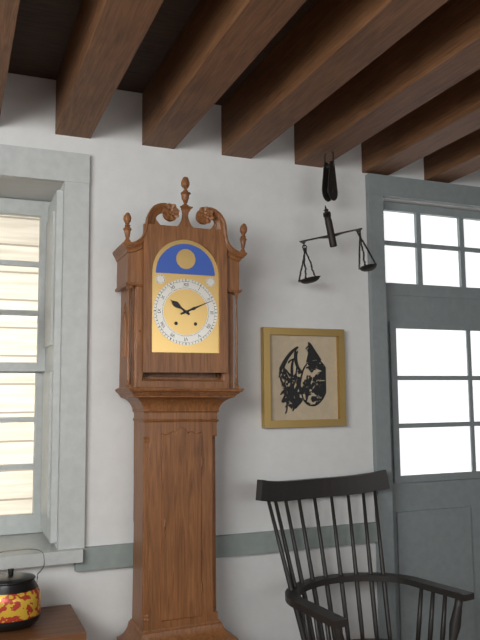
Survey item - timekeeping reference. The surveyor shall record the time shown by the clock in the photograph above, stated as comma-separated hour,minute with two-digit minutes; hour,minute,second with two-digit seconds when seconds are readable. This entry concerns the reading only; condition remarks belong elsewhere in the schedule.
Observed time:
10,11
